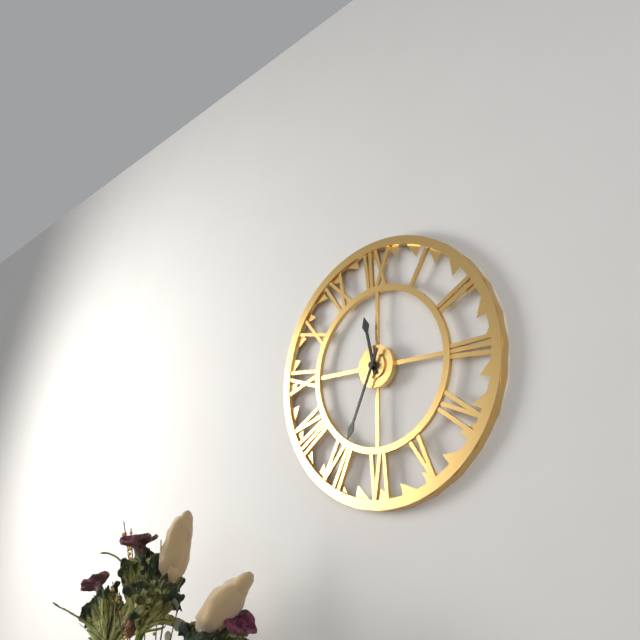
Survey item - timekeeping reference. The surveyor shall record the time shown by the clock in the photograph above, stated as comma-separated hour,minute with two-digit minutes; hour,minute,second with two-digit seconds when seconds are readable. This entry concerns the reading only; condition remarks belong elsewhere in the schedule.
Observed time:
11,34
